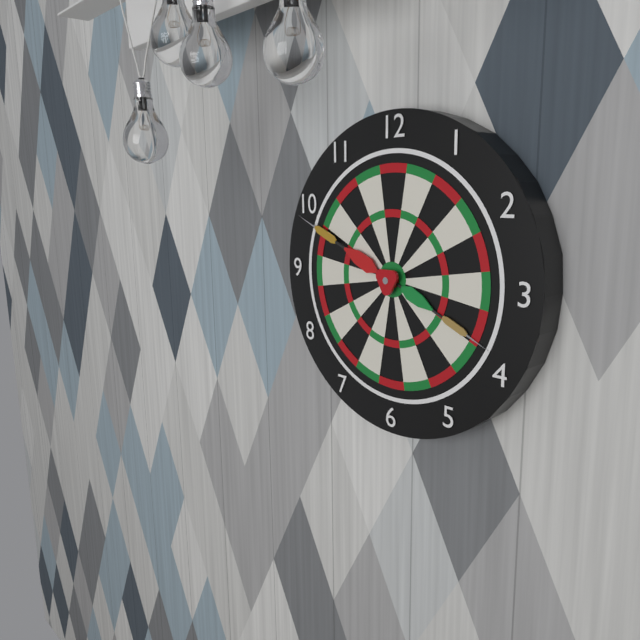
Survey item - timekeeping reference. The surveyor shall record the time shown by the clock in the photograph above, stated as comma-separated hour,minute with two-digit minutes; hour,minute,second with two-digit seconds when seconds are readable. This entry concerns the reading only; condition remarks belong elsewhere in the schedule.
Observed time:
3,49
